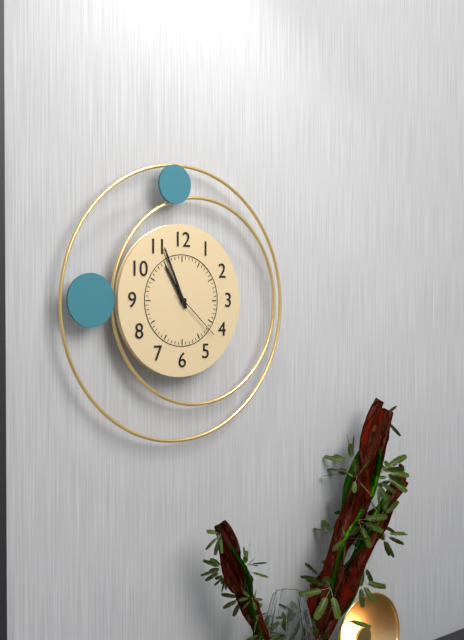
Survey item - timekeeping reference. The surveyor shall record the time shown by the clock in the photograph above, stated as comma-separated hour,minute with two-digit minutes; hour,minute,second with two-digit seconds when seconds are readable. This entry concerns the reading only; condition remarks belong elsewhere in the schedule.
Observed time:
10,56,22
